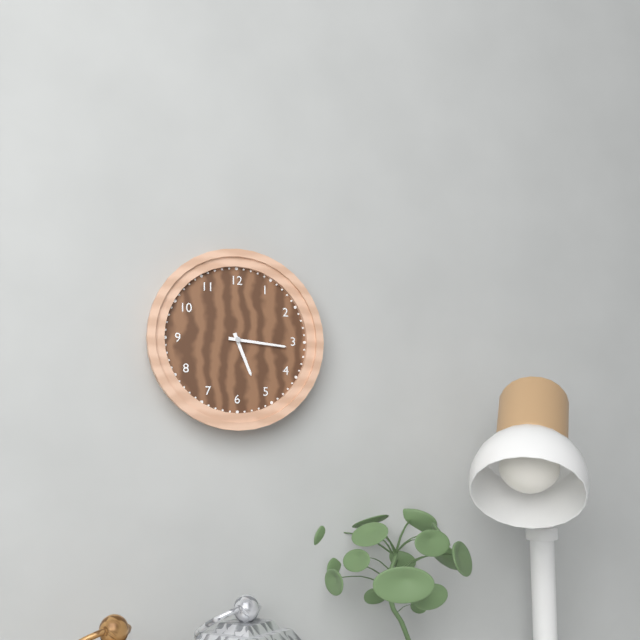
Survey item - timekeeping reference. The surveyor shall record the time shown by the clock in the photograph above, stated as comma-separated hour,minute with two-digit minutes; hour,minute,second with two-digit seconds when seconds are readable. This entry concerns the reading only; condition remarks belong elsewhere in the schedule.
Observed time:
5,16
